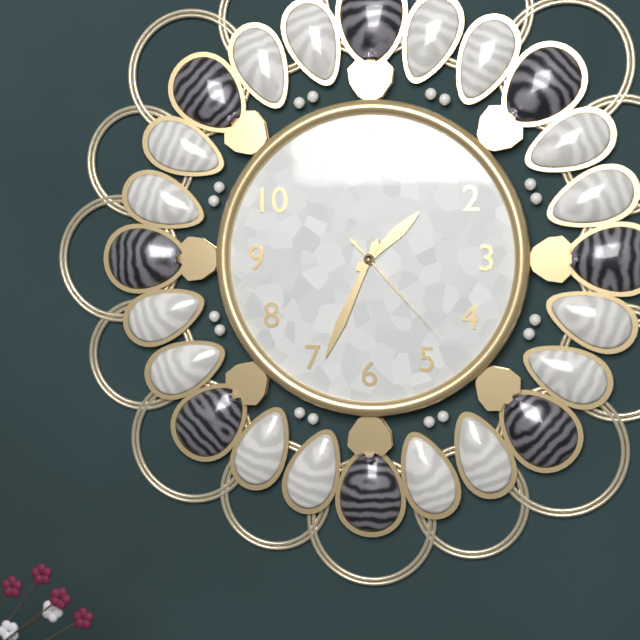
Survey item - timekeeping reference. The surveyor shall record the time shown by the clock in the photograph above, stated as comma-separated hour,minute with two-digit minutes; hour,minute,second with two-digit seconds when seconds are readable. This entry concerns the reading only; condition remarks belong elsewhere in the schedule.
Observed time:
1,34,23
